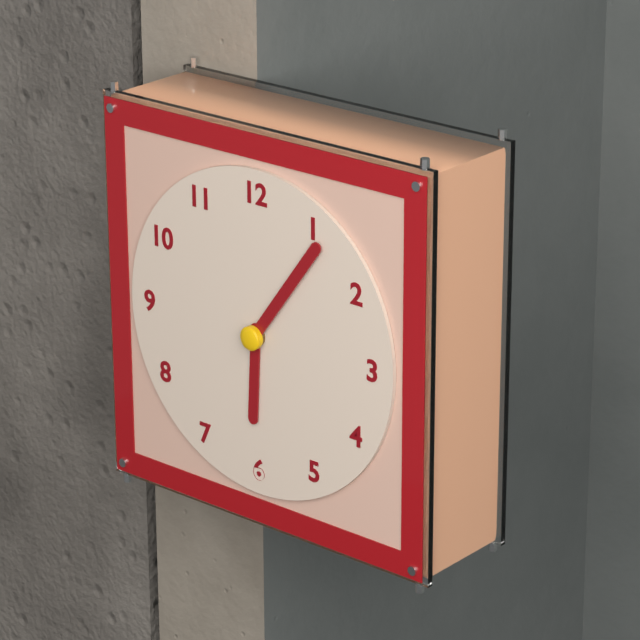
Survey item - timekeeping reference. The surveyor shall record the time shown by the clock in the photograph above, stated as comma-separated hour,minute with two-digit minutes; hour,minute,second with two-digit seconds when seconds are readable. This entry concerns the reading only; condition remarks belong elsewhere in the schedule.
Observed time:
6,06
